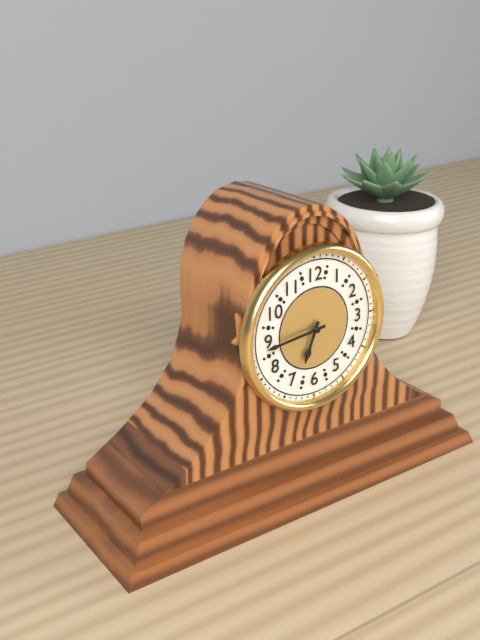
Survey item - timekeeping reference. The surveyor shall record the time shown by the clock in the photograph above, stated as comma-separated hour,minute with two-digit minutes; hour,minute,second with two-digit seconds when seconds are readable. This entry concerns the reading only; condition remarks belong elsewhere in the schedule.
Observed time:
6,44
